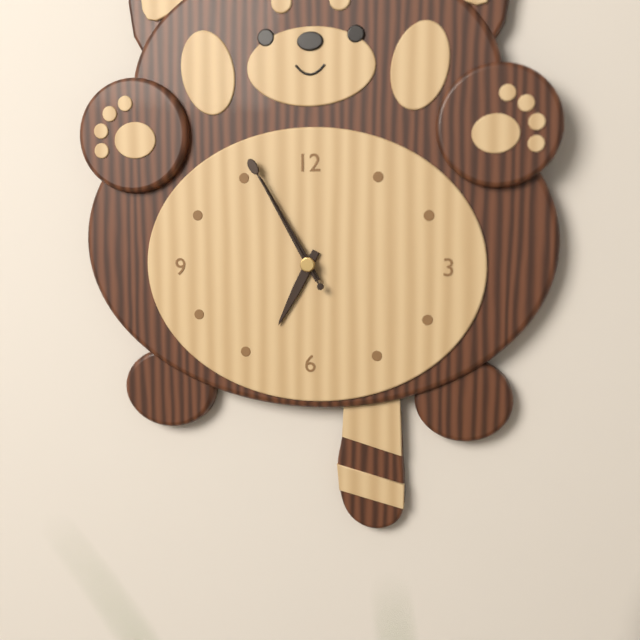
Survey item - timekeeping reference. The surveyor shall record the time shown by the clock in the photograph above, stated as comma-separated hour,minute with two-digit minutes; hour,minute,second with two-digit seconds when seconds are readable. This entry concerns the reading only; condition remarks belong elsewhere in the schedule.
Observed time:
6,55,55
